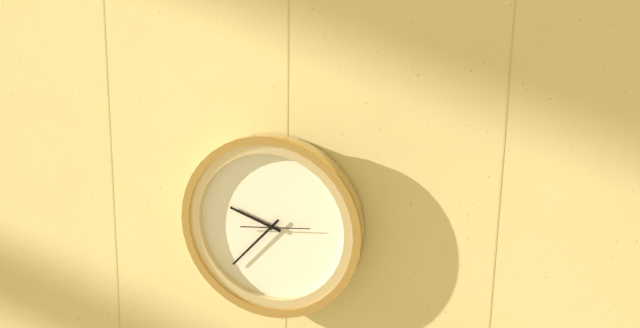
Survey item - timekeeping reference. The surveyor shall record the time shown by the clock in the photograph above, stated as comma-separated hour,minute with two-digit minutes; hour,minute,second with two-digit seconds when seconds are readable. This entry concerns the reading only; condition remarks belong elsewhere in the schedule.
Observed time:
9,37
